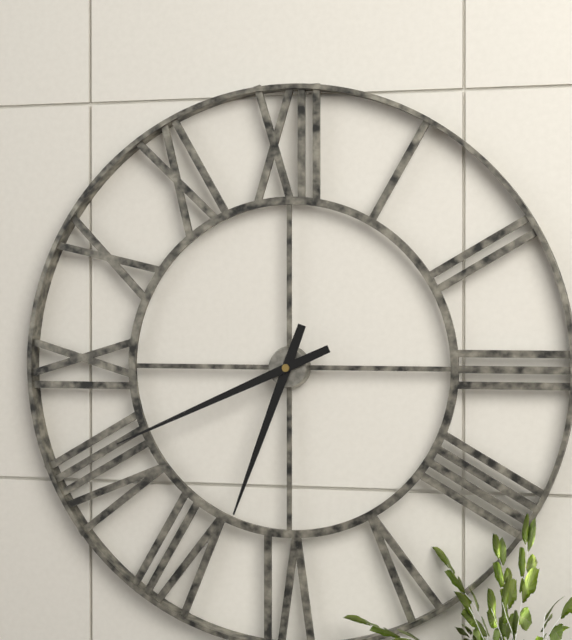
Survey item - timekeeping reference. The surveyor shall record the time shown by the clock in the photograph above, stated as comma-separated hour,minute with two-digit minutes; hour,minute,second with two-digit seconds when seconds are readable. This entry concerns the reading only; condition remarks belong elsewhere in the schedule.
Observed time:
6,41
